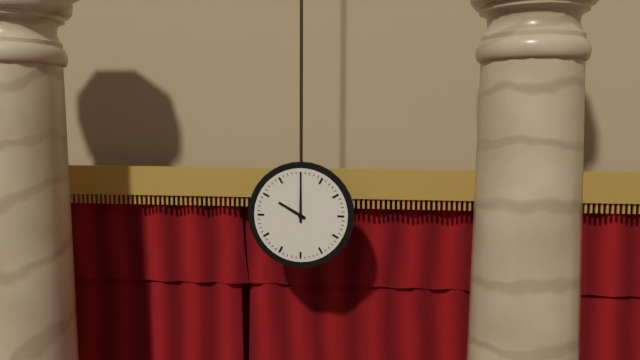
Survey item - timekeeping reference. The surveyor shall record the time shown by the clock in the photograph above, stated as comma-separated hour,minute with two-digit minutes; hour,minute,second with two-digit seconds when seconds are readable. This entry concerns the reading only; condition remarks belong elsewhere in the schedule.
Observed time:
10,00
